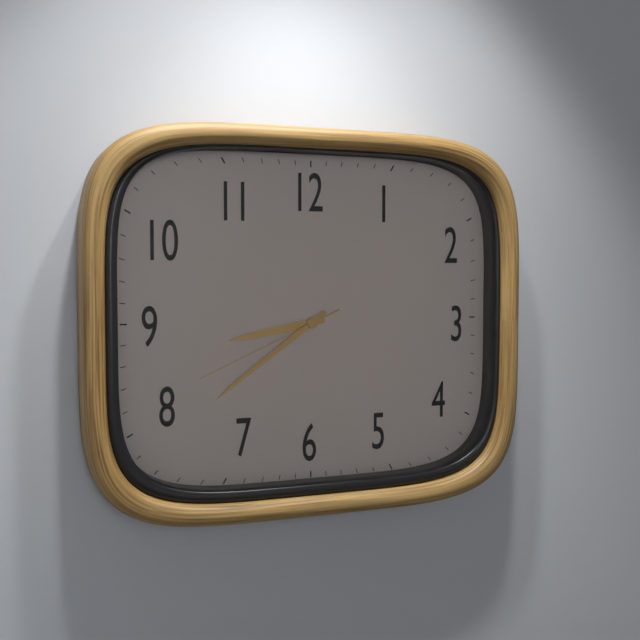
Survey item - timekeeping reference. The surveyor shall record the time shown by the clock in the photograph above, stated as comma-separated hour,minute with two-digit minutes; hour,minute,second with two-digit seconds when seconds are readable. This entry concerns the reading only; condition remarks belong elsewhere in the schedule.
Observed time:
8,39,41
